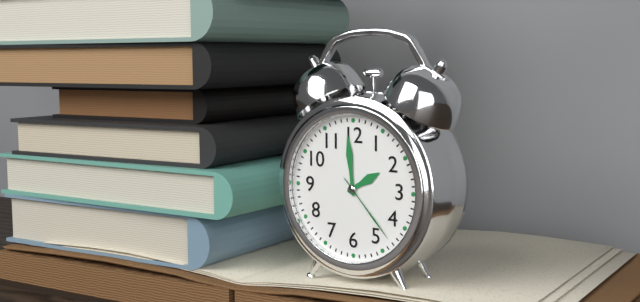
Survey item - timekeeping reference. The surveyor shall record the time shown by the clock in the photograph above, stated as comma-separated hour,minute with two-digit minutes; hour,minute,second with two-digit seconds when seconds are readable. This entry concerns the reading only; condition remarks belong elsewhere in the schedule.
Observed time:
1,59,23
